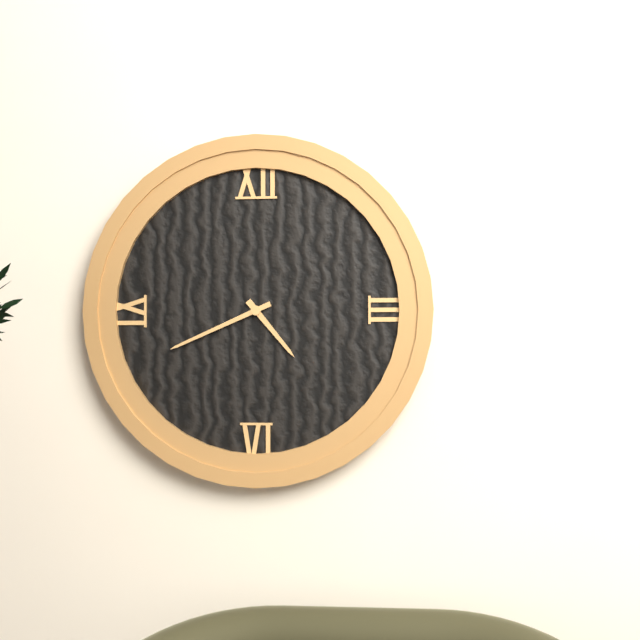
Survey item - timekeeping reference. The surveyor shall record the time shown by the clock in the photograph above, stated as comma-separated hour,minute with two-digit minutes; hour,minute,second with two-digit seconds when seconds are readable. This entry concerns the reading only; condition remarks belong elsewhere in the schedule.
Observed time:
4,41
